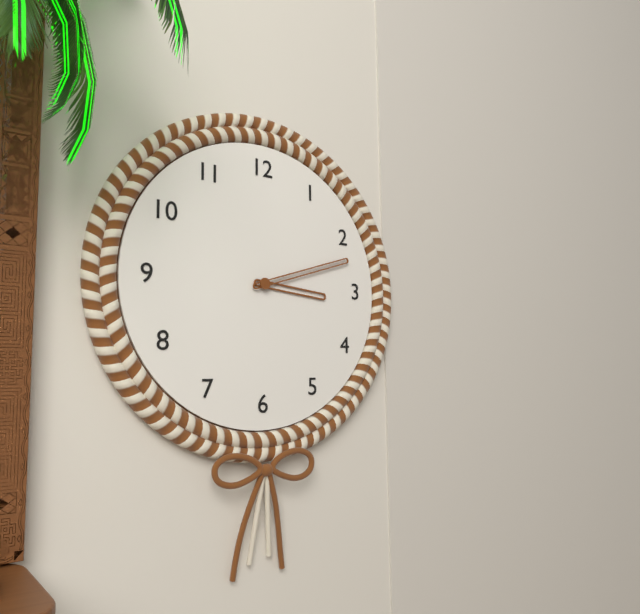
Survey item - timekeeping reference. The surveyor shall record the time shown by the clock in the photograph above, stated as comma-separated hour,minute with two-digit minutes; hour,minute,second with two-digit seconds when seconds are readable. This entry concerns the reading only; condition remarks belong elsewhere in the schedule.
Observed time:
3,12
